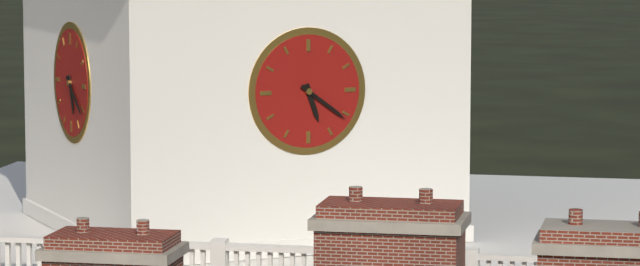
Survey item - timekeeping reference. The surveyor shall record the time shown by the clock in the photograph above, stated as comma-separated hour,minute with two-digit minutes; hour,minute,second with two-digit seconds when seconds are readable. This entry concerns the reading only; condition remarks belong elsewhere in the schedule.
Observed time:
5,21
